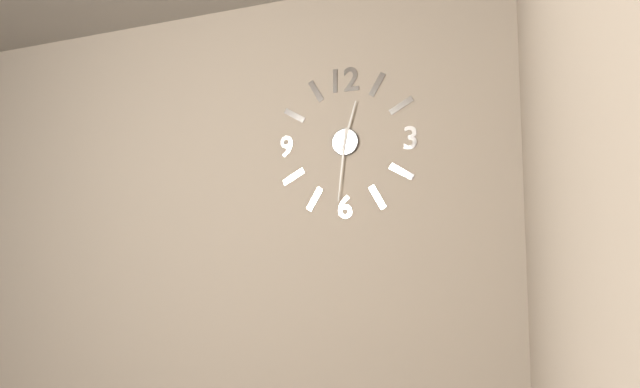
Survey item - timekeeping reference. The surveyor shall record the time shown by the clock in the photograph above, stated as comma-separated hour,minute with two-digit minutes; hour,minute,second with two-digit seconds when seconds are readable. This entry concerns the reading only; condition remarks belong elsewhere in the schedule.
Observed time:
12,31
